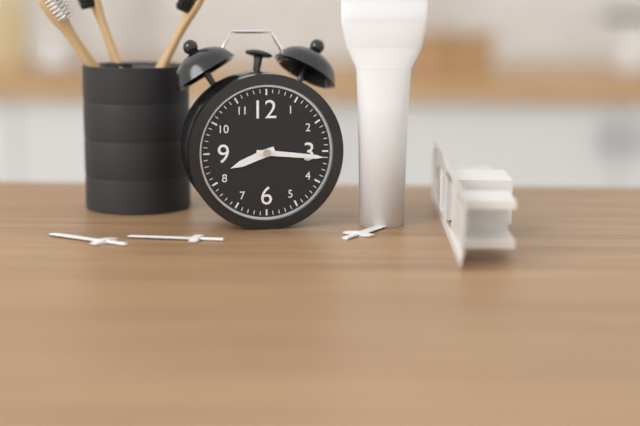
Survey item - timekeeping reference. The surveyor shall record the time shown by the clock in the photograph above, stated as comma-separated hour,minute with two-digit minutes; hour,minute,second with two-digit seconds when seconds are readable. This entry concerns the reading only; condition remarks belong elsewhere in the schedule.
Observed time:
8,16
